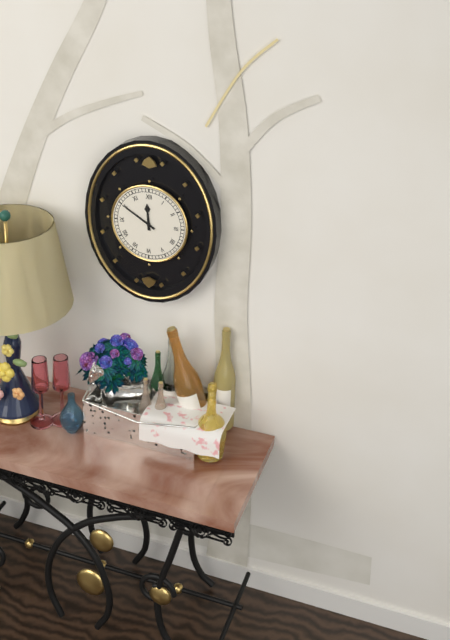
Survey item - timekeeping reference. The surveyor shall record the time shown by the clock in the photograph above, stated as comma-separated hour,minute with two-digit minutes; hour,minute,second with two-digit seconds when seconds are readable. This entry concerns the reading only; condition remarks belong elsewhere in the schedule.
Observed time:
11,50
